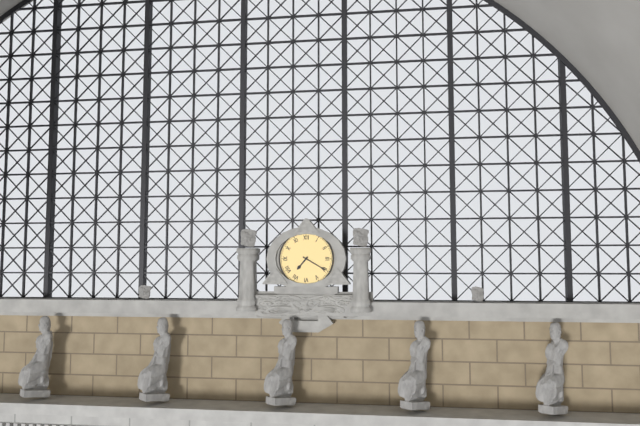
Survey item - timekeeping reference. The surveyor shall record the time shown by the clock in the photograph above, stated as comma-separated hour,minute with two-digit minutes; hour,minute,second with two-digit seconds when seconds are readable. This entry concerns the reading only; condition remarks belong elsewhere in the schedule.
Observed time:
7,20
